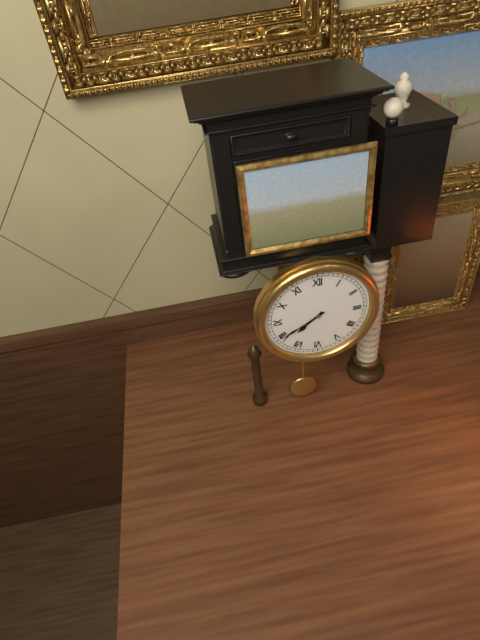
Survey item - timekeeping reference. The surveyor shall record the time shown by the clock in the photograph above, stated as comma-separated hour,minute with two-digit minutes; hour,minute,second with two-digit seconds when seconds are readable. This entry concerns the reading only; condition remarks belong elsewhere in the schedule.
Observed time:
7,40
